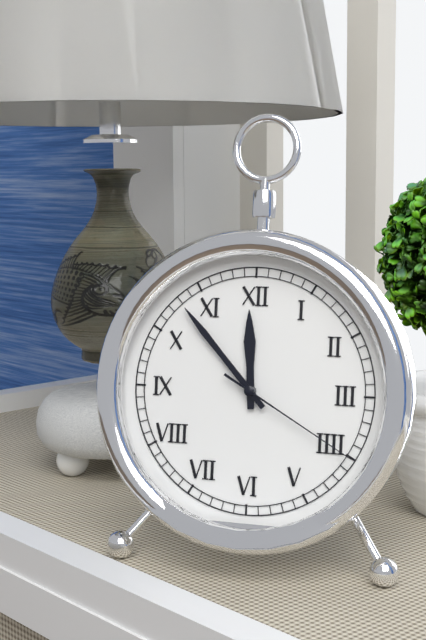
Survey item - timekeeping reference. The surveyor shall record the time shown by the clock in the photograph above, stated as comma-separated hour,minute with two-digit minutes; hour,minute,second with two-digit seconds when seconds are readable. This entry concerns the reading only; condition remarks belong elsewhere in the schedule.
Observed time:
11,53,20
